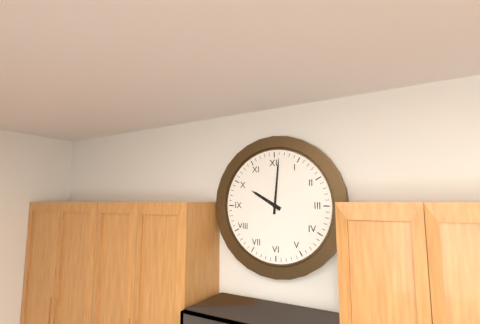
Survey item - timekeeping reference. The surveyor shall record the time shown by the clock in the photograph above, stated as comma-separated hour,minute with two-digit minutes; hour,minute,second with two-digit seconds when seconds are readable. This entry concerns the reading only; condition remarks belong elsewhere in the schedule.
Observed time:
10,01
